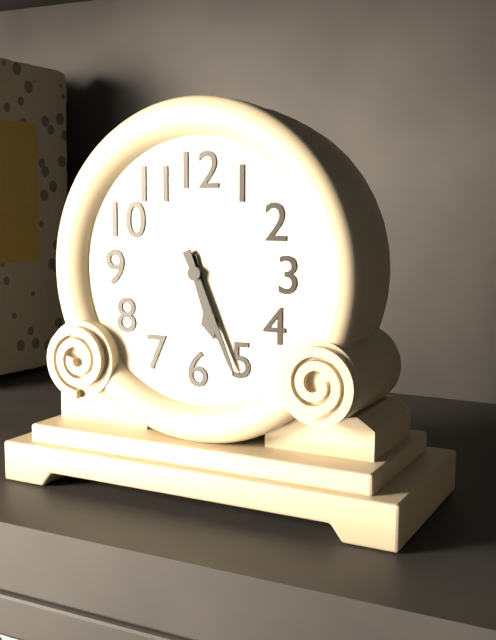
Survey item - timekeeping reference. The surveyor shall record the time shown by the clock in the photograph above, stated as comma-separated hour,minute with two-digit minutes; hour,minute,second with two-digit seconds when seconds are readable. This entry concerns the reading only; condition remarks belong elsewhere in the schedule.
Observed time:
5,26
